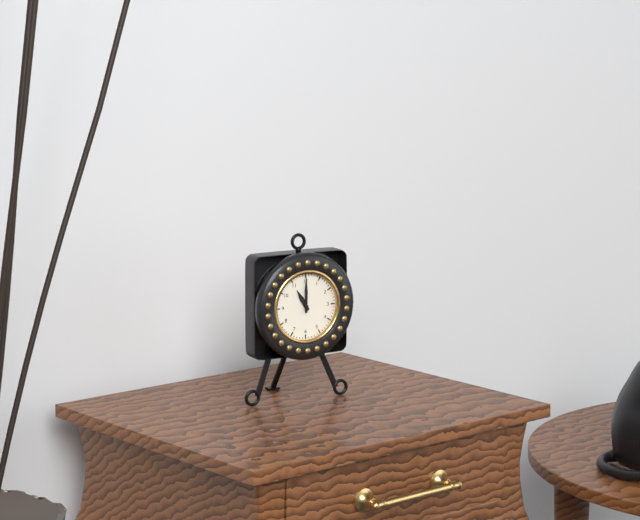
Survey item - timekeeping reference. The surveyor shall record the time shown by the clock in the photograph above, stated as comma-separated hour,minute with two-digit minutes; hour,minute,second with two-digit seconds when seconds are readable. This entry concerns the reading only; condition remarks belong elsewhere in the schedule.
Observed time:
11,00
